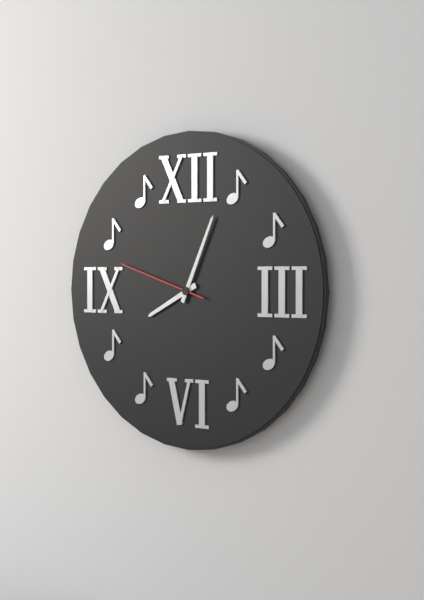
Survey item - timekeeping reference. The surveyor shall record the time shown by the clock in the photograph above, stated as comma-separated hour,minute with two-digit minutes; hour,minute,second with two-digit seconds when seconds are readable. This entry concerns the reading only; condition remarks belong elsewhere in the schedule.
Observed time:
8,04,48
